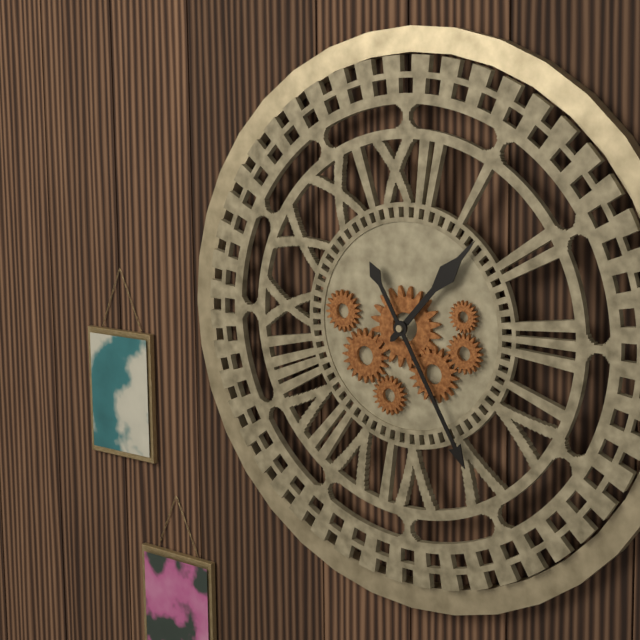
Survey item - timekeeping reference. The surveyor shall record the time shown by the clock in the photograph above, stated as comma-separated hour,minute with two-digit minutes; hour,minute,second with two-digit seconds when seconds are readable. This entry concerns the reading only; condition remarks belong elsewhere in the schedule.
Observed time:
1,25
